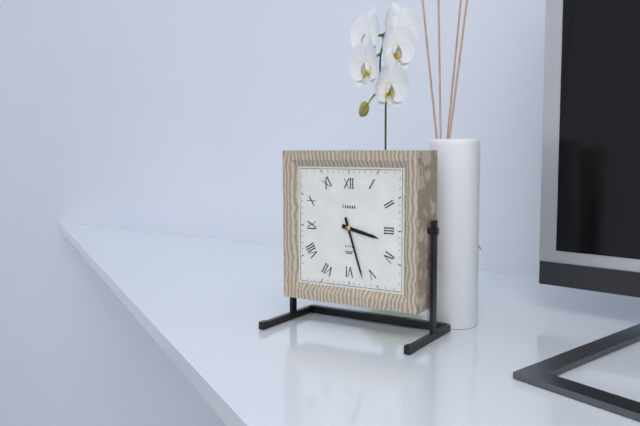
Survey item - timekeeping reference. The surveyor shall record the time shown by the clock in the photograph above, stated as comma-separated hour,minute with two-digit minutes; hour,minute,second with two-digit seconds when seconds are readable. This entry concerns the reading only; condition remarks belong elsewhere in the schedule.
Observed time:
3,27
